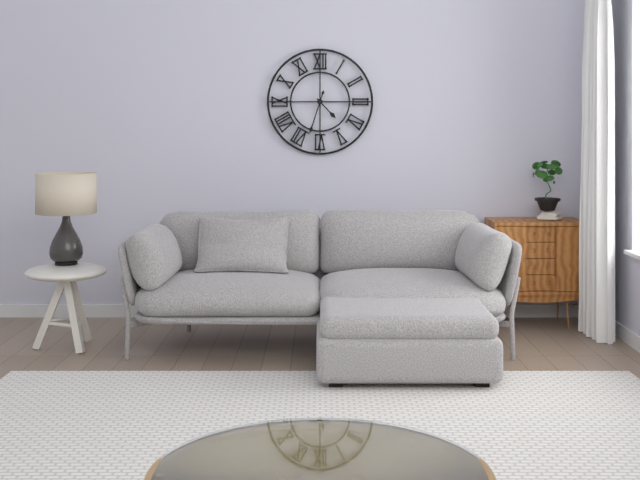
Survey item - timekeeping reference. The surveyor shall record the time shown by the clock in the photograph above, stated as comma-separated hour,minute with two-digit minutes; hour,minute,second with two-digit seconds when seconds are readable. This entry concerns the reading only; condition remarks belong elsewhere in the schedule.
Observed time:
4,33
